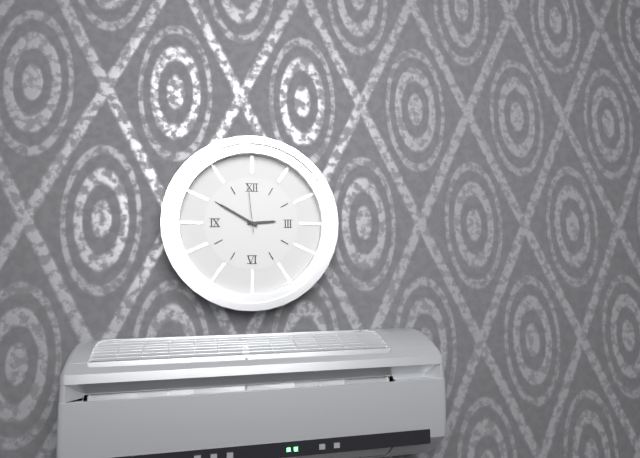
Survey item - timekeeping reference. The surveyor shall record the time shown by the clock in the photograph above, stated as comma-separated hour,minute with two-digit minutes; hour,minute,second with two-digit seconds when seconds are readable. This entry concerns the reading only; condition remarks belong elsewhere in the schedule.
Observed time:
2,50
